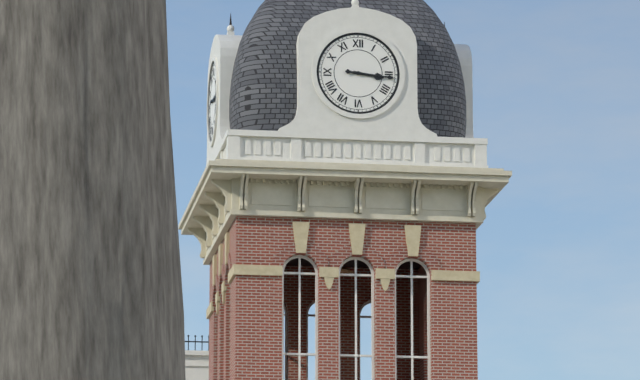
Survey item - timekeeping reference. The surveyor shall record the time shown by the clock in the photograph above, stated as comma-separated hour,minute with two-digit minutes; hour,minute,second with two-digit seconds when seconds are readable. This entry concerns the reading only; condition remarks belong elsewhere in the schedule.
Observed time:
3,16
